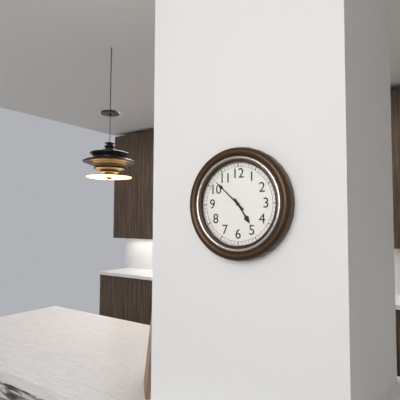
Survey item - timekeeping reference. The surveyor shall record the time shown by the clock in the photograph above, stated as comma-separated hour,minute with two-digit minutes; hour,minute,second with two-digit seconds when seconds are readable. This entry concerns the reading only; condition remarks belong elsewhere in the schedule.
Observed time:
4,52
